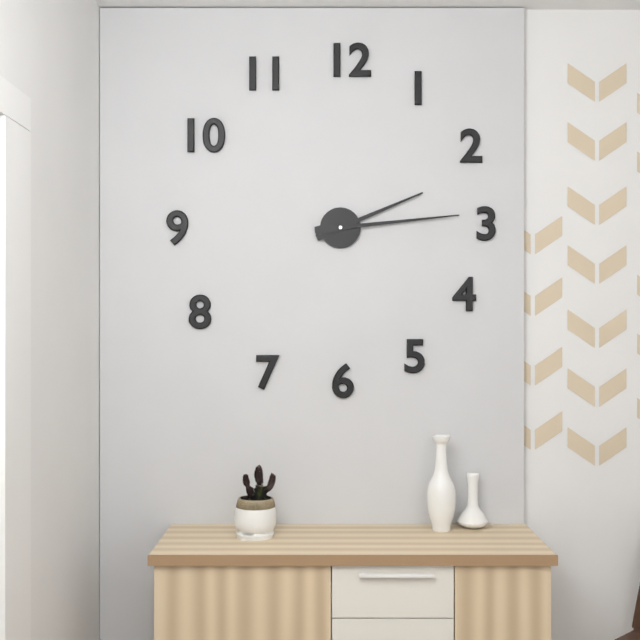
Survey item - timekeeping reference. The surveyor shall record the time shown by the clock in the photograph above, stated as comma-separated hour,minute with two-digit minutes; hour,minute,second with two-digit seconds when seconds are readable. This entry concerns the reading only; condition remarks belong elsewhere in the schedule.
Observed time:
2,14
